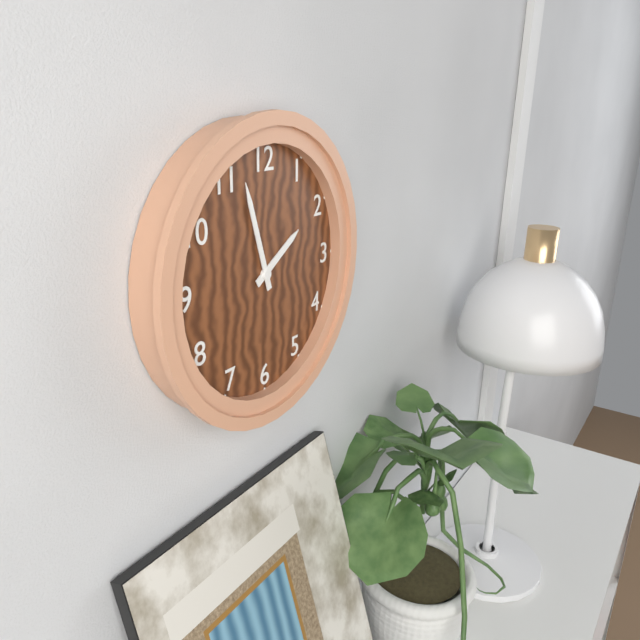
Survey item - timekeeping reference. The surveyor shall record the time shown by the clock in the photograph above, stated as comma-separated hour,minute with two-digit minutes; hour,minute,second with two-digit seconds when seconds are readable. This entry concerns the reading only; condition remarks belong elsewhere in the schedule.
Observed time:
1,57
